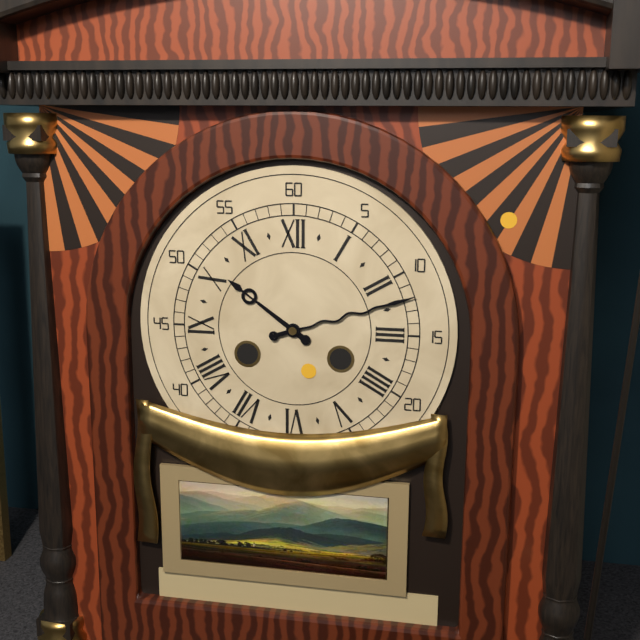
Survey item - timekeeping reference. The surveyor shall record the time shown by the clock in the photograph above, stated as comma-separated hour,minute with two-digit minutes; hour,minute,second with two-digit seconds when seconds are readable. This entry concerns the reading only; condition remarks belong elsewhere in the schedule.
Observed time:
10,12
